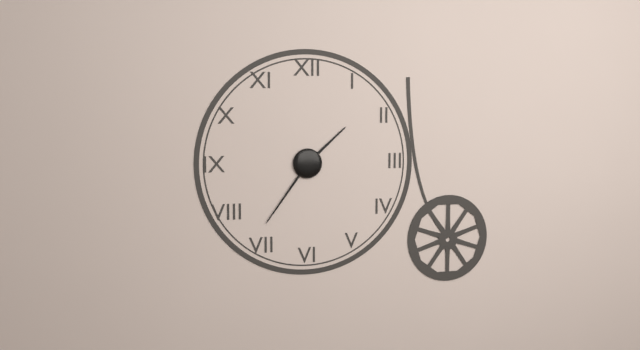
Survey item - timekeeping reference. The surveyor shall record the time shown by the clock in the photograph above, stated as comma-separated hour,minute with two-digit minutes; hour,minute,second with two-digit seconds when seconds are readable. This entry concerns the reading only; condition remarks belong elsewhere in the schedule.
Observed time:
1,36
